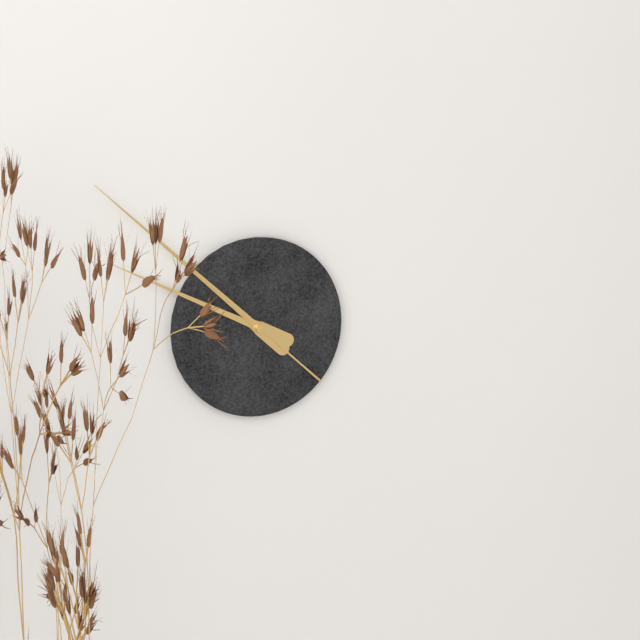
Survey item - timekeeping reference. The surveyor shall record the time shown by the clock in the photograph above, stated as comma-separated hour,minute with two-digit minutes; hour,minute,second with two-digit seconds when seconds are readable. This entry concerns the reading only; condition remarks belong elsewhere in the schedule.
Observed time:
9,52,52
